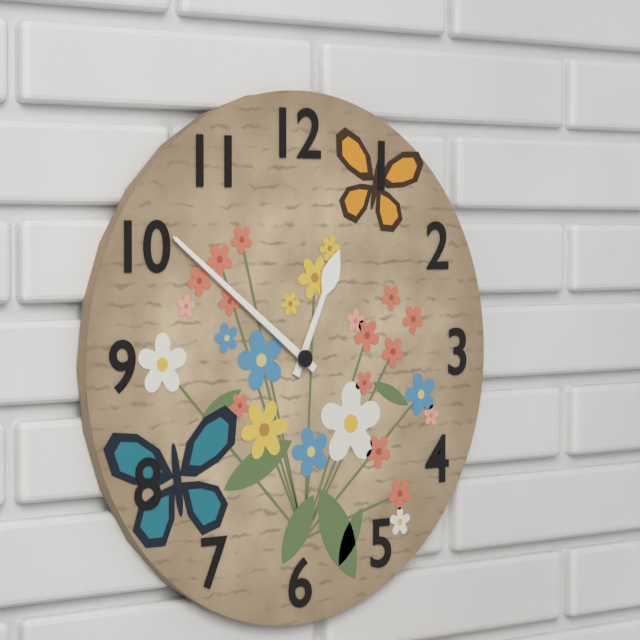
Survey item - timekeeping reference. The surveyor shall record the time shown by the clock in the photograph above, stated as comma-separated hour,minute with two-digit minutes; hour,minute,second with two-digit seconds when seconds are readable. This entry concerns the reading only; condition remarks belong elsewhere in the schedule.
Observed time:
12,51
